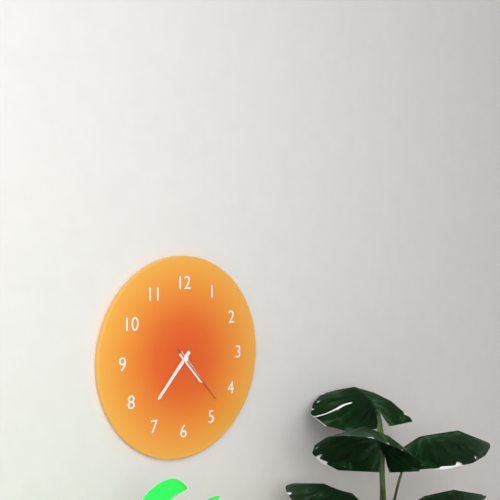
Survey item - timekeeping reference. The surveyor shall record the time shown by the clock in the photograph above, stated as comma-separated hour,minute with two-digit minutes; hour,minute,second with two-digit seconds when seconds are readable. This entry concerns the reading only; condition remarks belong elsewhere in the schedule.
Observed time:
4,37,23
